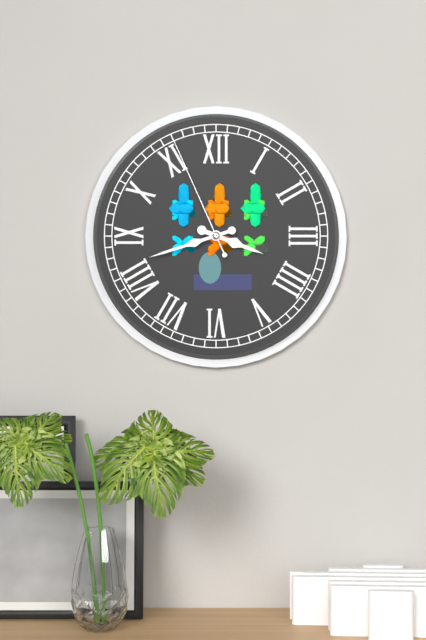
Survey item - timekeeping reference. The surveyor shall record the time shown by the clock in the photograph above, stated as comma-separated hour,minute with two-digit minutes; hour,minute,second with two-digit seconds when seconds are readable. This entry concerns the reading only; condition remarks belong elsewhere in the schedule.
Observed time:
3,42,56
